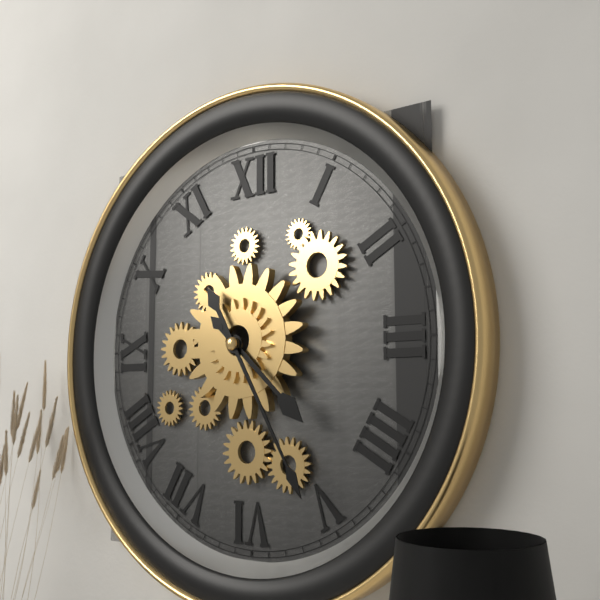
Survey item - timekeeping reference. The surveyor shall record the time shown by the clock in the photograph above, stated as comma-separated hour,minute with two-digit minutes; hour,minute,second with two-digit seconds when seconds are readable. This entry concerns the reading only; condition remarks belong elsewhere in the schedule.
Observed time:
4,25
